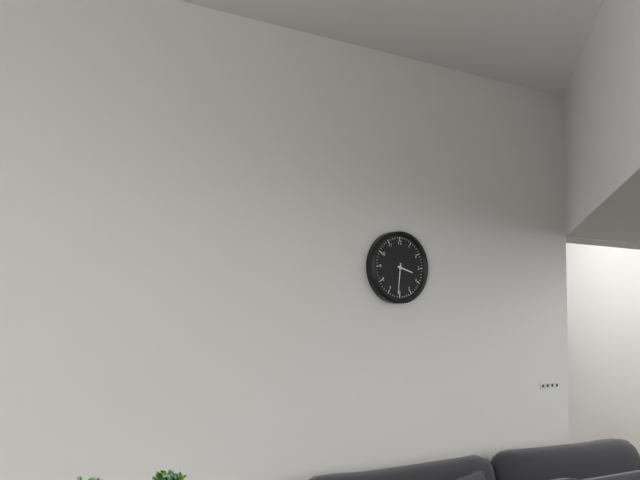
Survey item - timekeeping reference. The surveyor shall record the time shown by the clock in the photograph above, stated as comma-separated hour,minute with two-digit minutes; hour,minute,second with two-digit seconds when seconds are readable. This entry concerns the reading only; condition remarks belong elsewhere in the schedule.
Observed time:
3,31
